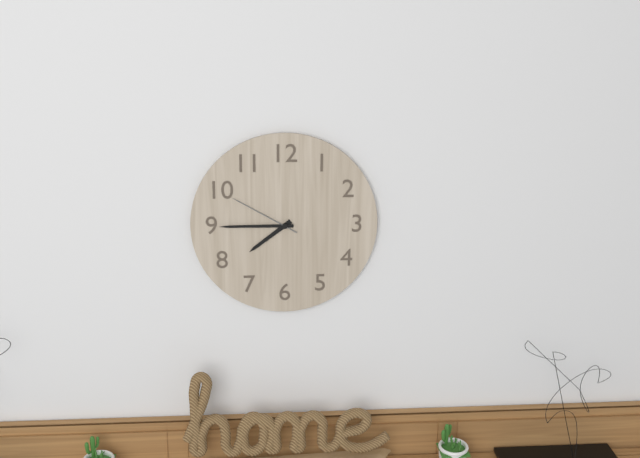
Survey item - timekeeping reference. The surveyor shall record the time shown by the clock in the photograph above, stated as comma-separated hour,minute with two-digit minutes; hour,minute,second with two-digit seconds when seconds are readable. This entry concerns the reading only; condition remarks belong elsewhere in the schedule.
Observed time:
7,45,50
